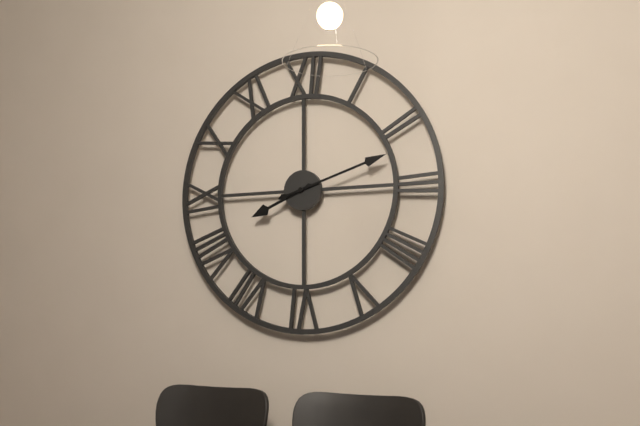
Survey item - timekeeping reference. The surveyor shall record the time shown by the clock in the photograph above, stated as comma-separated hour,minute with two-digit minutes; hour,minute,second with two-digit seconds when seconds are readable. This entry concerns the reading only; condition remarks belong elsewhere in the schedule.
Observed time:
8,12
